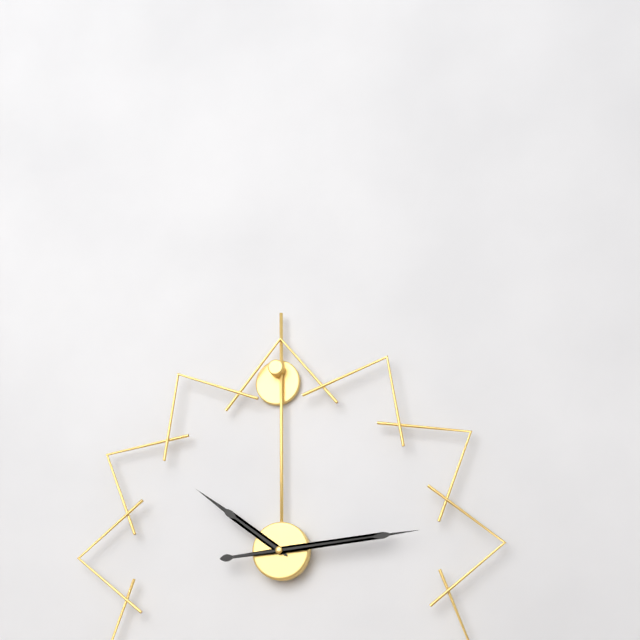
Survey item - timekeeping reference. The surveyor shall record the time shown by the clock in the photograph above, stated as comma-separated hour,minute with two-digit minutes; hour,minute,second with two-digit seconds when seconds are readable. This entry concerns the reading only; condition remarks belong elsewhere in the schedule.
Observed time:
10,14
